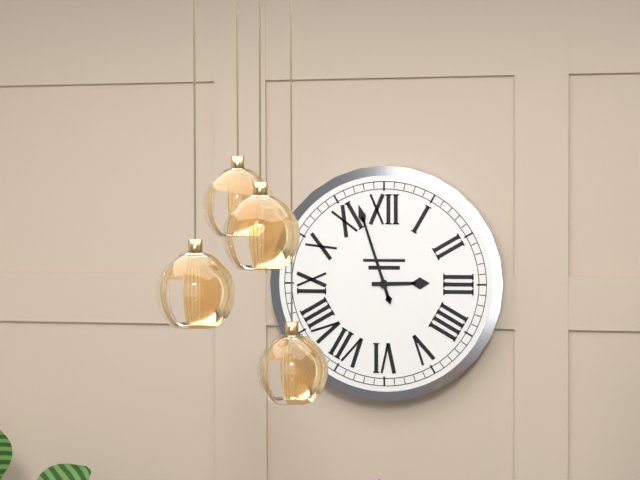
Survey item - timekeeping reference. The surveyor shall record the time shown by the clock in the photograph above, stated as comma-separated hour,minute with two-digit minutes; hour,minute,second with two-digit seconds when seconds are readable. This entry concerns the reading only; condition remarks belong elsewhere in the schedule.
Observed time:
2,57
